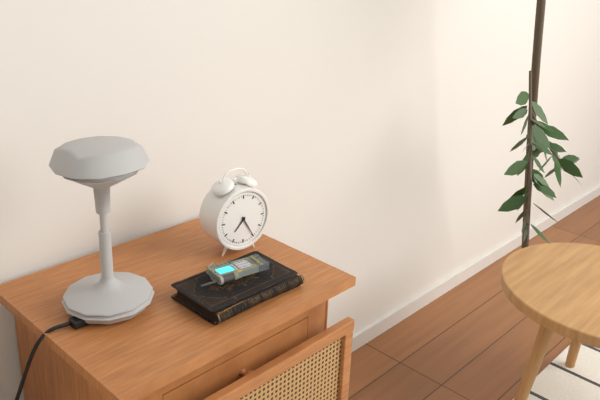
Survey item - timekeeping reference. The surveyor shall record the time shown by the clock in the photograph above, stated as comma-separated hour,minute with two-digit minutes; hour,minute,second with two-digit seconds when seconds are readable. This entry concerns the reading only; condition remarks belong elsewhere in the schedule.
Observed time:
7,25
